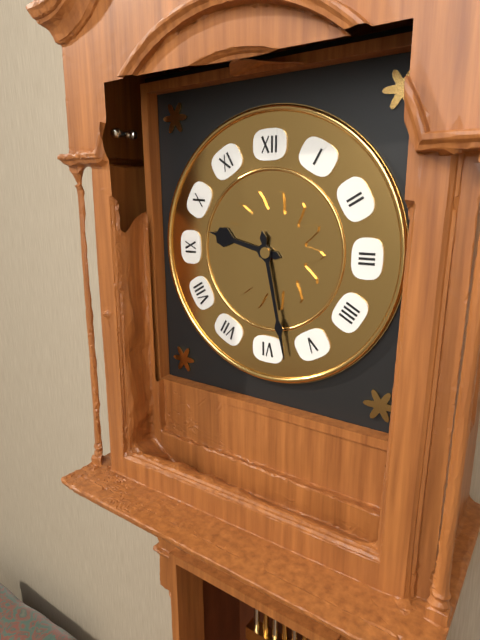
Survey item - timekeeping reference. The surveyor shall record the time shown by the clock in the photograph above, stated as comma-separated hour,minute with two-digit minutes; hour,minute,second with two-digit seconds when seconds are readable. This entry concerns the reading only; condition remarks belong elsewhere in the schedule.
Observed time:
9,28
